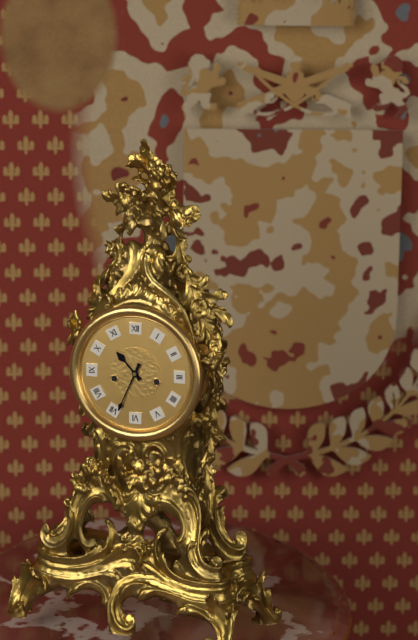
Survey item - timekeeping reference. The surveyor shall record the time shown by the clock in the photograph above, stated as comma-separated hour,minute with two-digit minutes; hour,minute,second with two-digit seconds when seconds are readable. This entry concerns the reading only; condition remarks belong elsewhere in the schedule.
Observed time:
10,34
